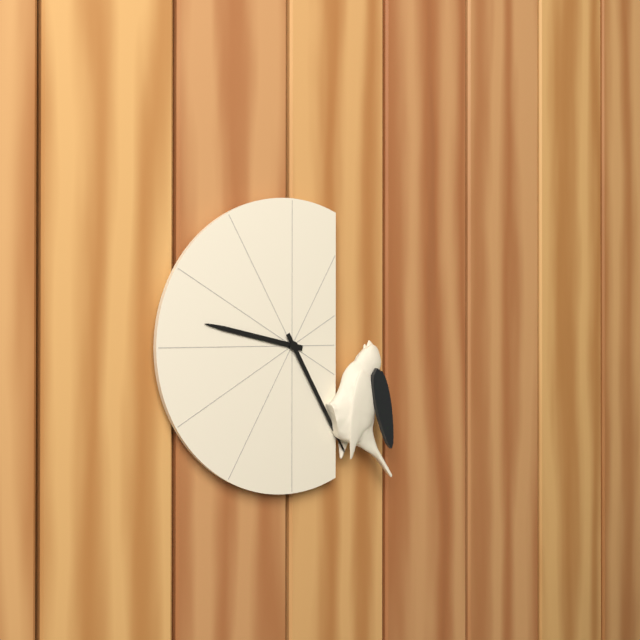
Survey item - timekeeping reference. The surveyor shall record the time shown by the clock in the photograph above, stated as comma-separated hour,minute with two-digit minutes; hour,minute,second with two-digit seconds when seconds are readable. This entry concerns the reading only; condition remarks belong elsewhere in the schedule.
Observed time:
9,25
